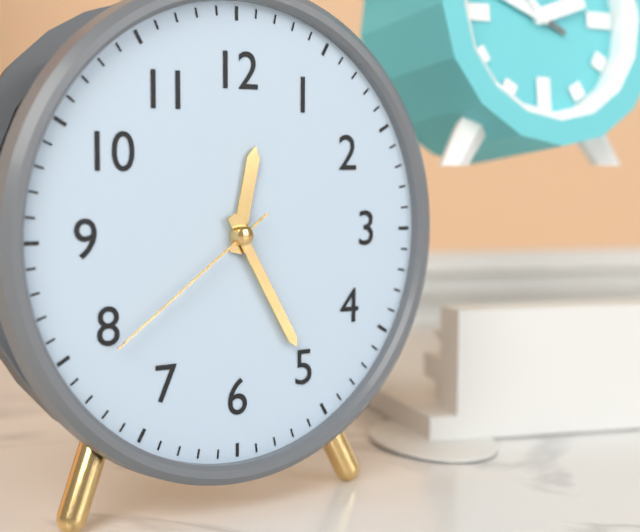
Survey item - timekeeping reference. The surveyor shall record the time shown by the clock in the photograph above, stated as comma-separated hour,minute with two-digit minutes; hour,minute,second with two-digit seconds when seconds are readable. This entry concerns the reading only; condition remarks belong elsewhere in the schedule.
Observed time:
12,25,39
